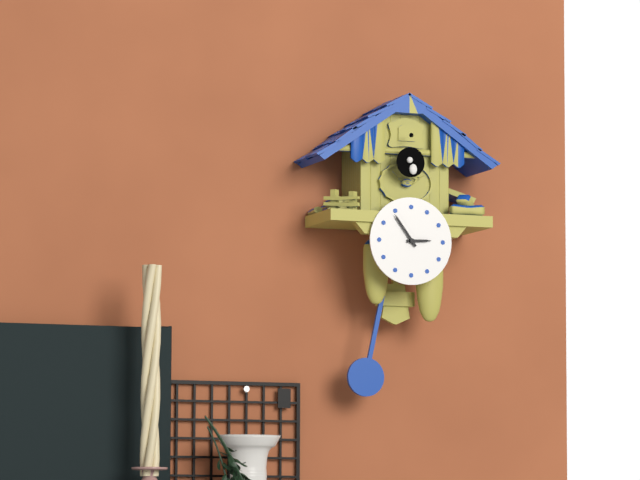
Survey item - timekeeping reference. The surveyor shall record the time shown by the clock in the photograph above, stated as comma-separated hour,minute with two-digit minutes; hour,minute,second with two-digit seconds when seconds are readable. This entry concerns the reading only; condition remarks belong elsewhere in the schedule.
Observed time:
2,54
